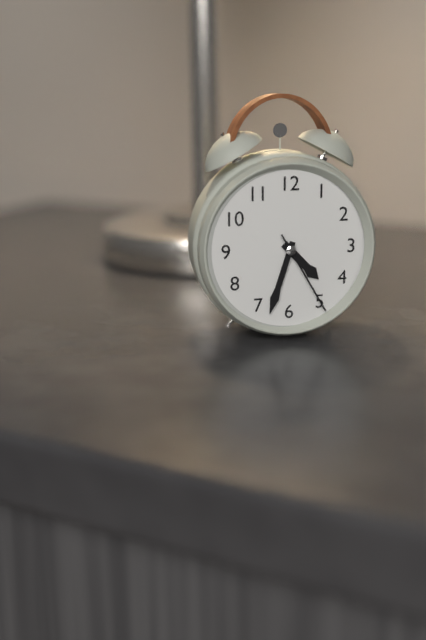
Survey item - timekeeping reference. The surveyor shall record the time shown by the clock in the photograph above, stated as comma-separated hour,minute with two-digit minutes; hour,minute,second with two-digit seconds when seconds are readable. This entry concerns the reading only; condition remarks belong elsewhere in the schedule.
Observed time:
4,33,25
